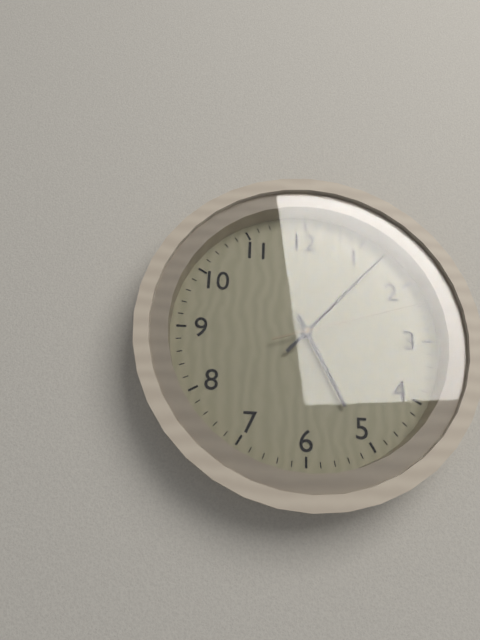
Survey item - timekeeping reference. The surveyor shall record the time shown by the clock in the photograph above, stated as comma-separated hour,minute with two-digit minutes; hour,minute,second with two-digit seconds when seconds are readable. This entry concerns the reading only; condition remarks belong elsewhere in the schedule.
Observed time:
5,07,12
